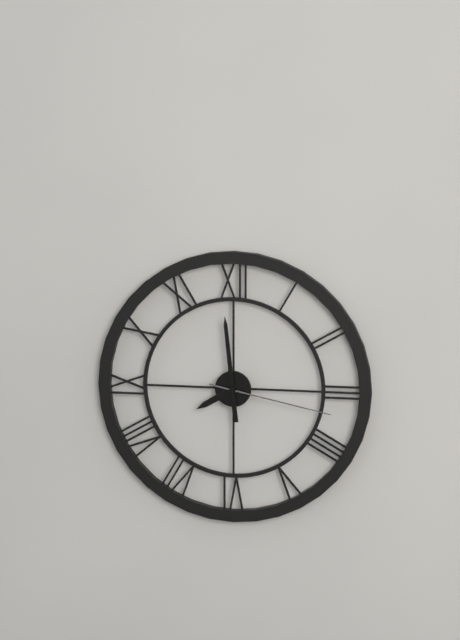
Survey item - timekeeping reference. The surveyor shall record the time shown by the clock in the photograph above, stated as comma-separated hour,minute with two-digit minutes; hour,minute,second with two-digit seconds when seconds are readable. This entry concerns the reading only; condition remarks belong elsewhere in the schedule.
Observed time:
7,59,17
